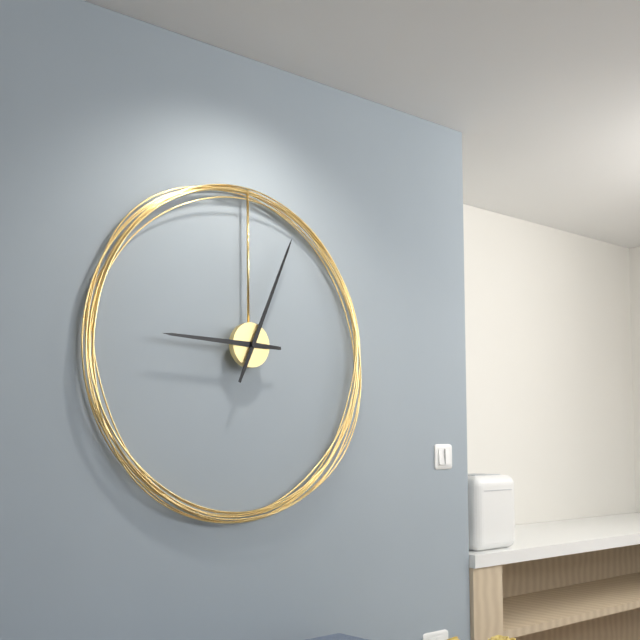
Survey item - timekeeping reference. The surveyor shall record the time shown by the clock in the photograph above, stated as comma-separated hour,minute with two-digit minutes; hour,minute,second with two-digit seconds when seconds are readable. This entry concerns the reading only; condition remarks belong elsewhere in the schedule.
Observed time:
9,04
